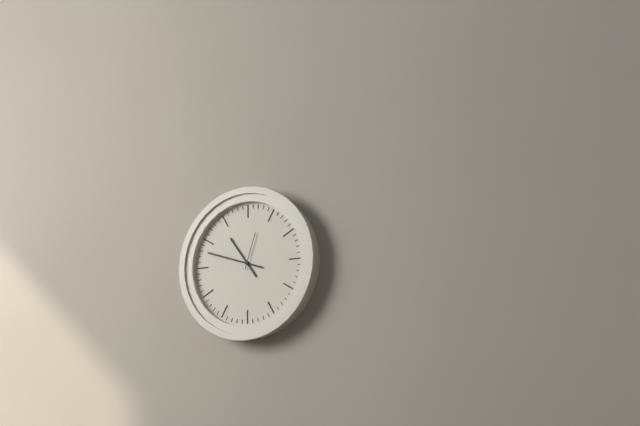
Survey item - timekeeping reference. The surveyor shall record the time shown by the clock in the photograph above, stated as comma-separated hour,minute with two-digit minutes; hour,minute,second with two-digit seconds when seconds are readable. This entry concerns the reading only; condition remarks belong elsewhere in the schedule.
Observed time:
10,48
